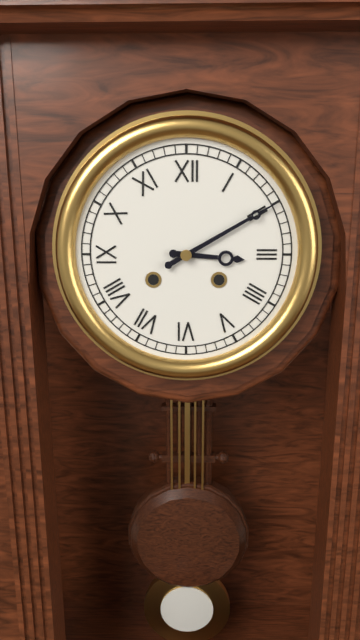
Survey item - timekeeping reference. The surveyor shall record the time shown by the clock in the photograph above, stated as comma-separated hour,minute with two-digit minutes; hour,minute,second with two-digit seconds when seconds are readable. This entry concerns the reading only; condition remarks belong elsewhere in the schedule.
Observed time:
3,10
